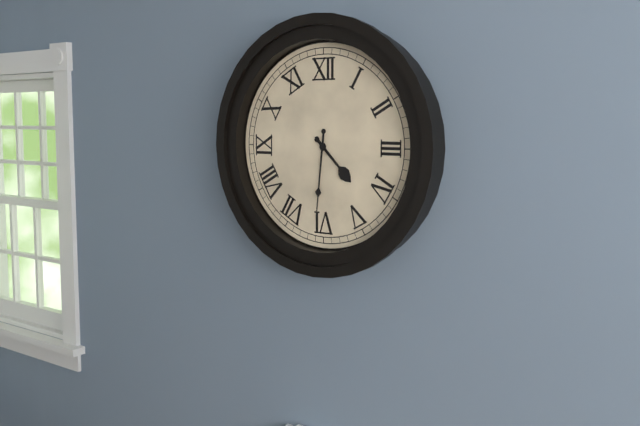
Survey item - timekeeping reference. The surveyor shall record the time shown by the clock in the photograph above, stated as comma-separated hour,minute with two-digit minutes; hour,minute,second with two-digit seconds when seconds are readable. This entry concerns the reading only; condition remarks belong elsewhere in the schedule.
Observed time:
4,31
